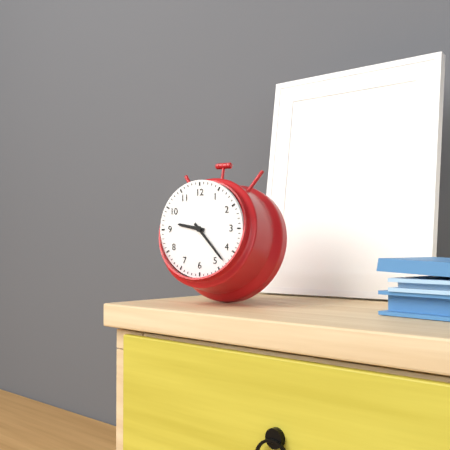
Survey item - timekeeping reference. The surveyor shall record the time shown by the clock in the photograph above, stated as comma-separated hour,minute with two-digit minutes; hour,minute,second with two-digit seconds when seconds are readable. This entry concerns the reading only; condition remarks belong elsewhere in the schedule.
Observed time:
9,23
